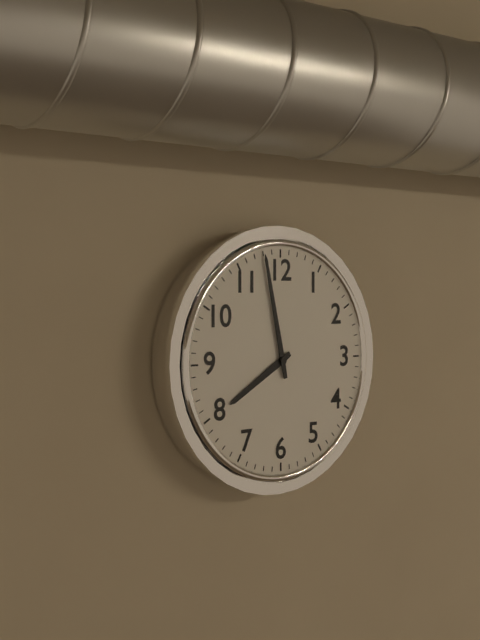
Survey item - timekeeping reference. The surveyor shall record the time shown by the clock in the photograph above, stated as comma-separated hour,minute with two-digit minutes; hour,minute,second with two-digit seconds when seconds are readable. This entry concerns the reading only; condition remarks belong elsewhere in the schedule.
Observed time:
7,58
